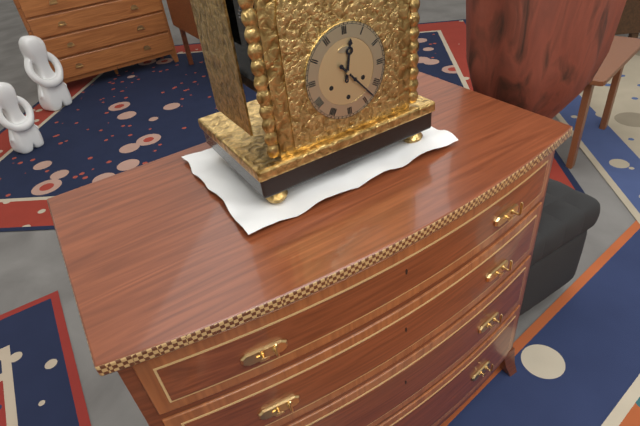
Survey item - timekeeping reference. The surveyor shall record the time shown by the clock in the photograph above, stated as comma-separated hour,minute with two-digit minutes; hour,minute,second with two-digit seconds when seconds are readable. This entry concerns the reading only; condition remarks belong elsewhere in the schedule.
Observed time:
12,23
